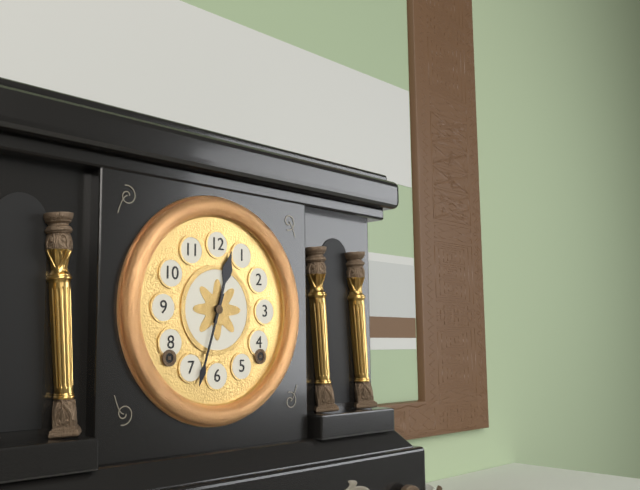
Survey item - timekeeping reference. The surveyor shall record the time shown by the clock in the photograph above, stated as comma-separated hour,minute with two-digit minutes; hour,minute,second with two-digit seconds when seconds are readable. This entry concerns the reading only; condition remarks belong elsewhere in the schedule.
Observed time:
12,33
